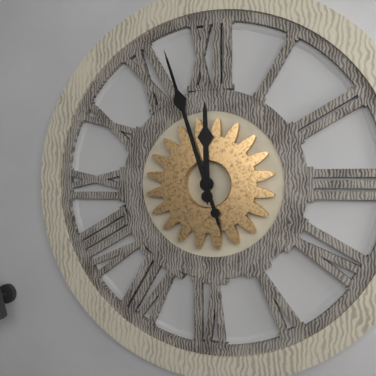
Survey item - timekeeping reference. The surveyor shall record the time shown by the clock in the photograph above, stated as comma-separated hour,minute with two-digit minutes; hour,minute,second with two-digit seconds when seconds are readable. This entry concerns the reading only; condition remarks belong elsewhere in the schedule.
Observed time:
11,57
